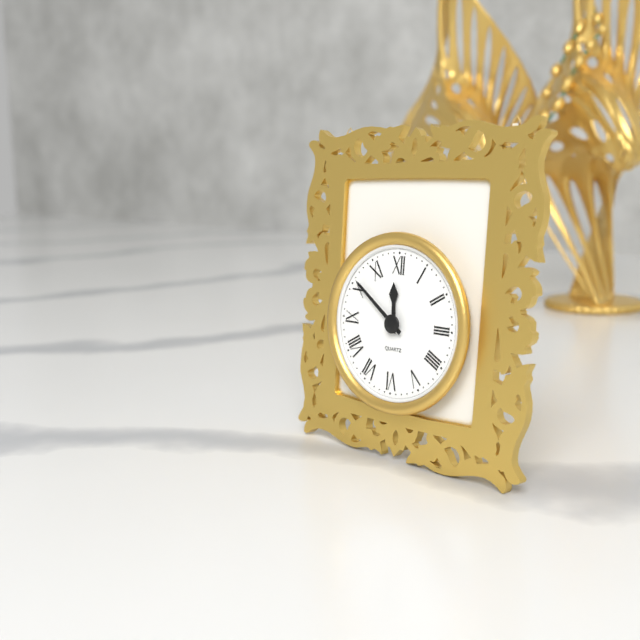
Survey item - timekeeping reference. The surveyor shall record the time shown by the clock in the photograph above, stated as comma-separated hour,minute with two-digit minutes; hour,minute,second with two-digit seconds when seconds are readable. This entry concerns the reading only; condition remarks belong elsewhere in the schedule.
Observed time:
11,51
